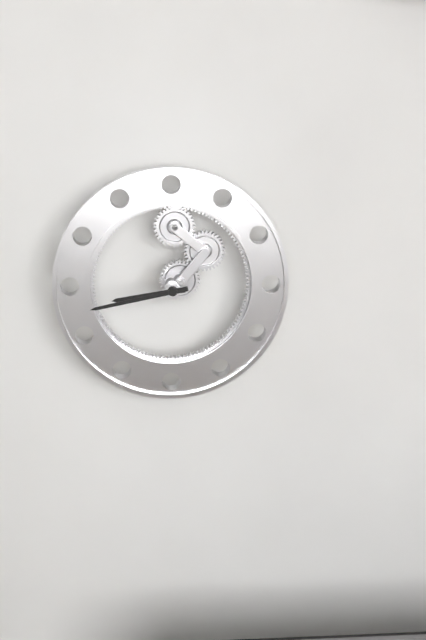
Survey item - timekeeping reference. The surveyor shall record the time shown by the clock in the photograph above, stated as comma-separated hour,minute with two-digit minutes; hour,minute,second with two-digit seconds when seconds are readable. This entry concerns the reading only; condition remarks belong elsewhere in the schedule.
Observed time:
8,43
